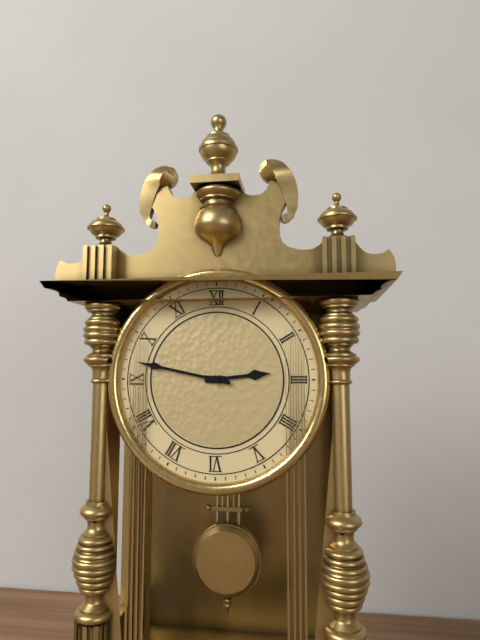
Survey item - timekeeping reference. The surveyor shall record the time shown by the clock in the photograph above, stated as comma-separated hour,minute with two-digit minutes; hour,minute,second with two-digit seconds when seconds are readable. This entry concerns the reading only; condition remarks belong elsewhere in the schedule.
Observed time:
2,47
